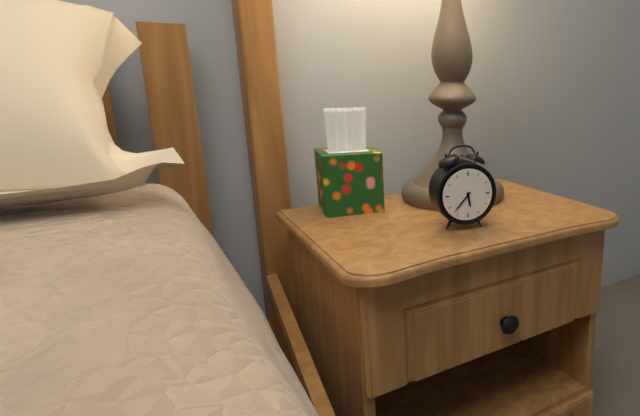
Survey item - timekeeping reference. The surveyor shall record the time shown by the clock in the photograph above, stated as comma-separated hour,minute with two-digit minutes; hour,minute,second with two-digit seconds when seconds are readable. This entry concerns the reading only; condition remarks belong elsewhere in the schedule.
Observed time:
5,37
